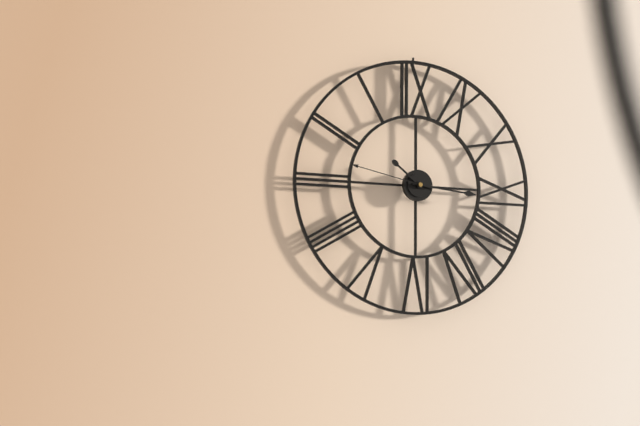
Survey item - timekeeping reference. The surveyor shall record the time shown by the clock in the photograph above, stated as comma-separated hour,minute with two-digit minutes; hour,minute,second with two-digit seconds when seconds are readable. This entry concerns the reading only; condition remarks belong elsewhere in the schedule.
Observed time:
10,16,47
